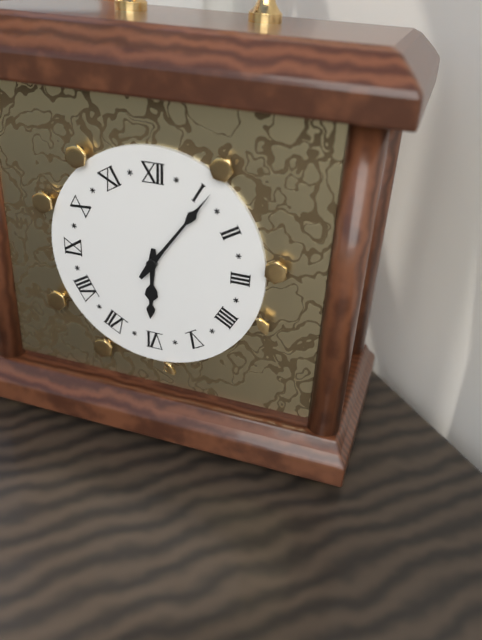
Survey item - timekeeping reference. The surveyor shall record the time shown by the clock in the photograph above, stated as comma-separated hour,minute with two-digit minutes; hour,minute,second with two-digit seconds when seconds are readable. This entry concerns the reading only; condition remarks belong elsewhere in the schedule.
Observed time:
6,06
